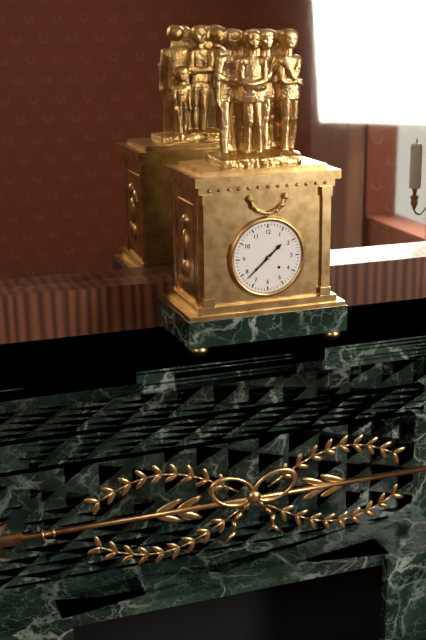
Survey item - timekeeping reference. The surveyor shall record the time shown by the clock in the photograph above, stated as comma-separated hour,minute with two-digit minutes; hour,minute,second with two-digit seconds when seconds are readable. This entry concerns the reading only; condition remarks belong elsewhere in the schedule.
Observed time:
1,38
